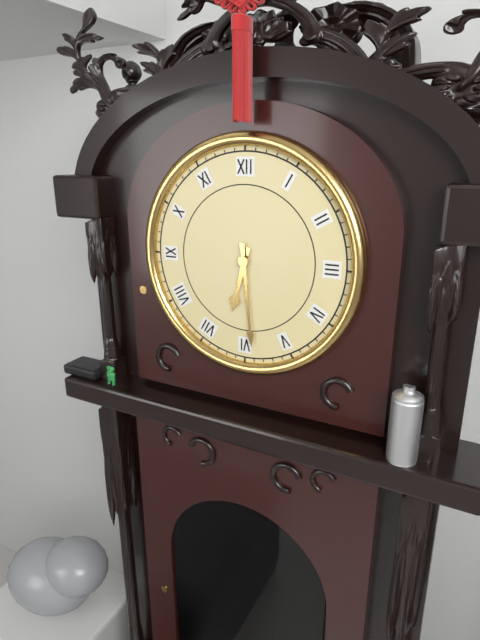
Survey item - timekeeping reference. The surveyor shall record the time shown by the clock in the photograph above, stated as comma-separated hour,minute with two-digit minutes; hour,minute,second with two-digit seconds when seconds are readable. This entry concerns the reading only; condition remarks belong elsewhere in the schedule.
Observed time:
6,29
